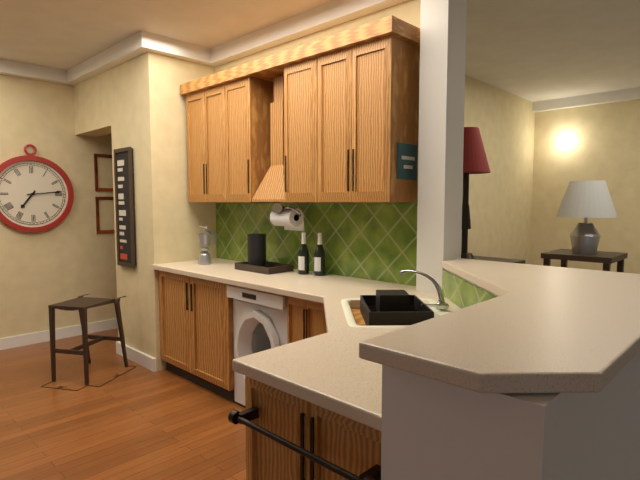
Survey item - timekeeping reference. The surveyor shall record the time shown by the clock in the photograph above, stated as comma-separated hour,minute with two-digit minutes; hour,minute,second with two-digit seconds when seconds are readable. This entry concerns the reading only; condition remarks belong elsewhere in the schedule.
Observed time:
7,14
